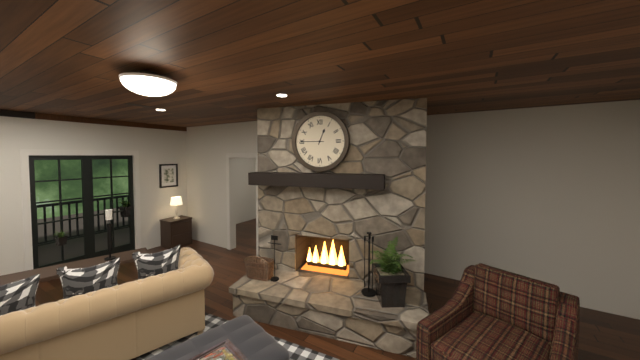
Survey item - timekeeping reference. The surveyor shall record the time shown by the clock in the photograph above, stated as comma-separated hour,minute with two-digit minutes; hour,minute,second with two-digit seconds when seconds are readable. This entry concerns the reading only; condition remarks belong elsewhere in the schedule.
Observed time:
12,45
